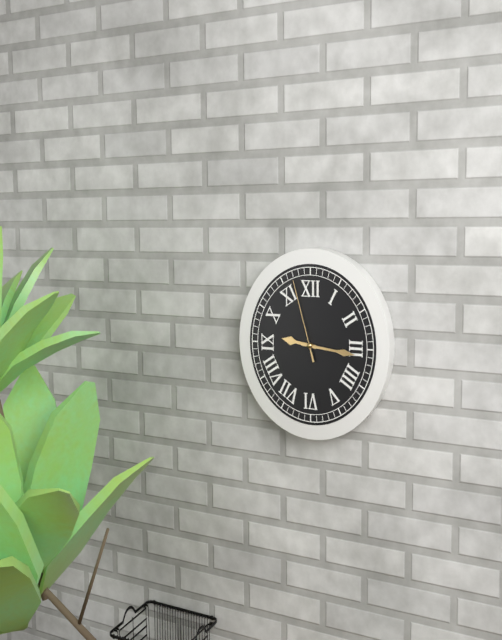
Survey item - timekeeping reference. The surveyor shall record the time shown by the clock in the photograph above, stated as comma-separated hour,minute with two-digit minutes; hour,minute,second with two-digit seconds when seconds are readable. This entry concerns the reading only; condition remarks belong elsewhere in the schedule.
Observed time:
9,16,57
